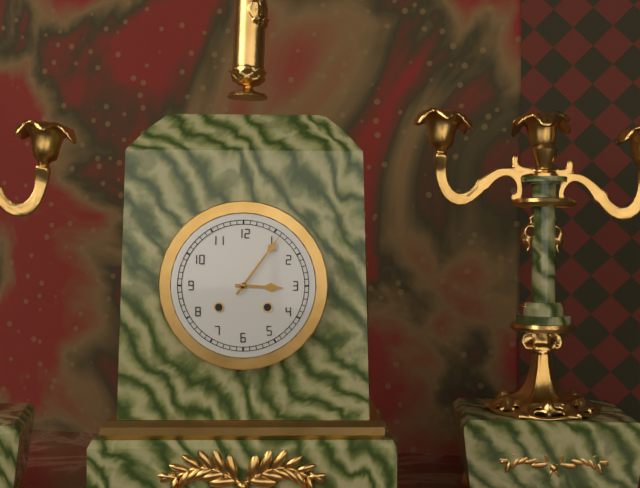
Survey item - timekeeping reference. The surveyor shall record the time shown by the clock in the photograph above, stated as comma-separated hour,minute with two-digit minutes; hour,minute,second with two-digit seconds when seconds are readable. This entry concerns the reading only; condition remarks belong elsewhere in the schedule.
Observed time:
3,06
